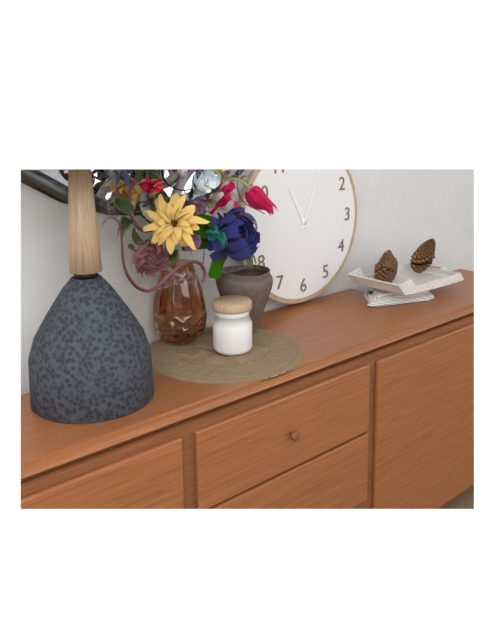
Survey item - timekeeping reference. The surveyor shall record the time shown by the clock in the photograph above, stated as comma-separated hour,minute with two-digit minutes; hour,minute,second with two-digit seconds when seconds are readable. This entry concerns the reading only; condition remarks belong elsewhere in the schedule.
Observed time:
11,04
